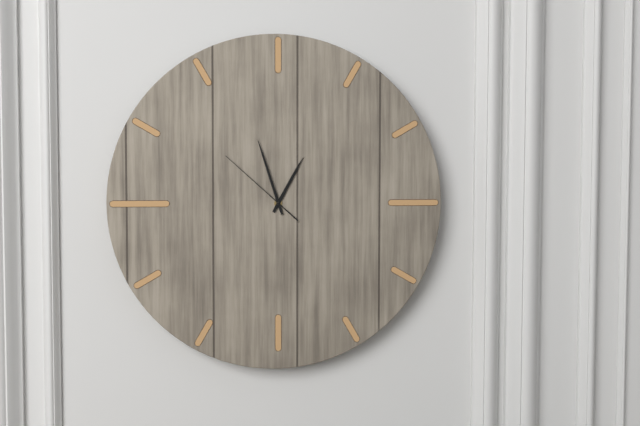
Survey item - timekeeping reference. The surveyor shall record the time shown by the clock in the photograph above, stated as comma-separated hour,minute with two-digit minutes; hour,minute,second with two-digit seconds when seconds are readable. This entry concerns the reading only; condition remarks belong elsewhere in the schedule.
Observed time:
12,57,52
